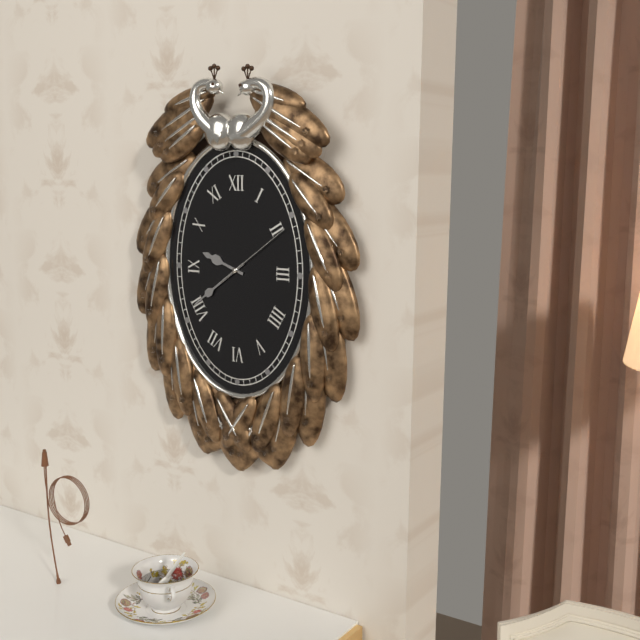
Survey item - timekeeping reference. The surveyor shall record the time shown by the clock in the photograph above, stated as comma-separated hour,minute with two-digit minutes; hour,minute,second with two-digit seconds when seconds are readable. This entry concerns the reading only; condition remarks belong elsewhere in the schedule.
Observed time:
9,39,09
